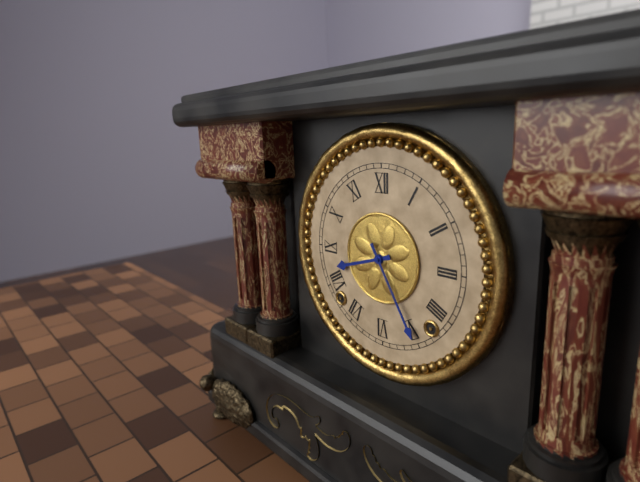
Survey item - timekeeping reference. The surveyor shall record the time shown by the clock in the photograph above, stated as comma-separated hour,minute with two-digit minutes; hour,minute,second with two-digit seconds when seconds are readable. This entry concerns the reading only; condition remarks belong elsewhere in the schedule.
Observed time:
8,25
